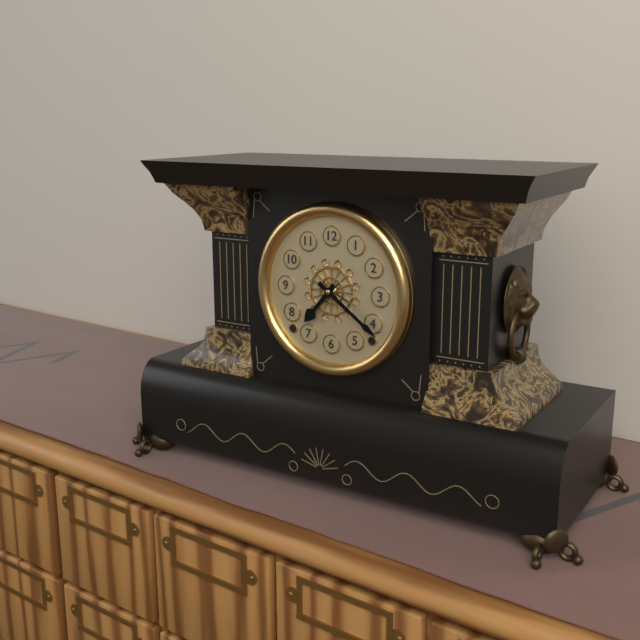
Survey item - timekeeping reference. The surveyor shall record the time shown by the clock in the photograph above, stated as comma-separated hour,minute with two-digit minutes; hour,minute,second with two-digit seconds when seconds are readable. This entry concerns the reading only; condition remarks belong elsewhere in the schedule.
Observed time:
7,21
